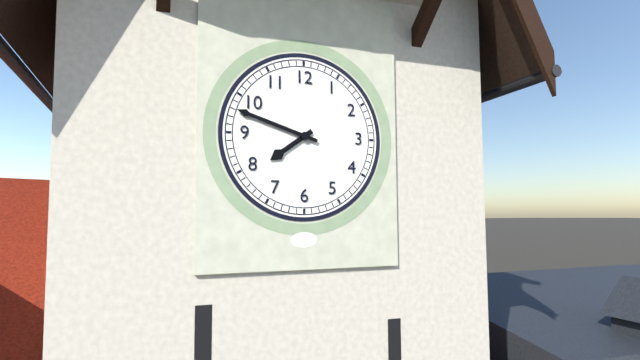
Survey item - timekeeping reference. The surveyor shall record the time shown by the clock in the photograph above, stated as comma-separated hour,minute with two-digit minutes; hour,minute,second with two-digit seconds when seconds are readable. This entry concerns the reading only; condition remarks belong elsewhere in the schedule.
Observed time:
7,48
